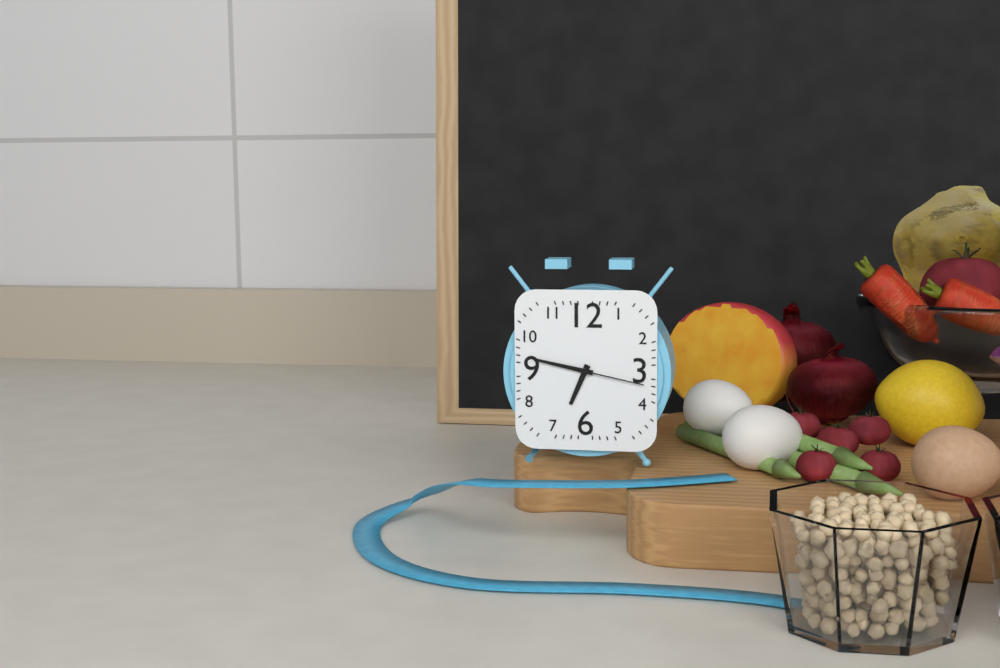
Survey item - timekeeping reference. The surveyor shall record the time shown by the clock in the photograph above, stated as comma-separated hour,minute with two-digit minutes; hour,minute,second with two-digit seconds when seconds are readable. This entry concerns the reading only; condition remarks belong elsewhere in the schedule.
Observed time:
6,47,17
